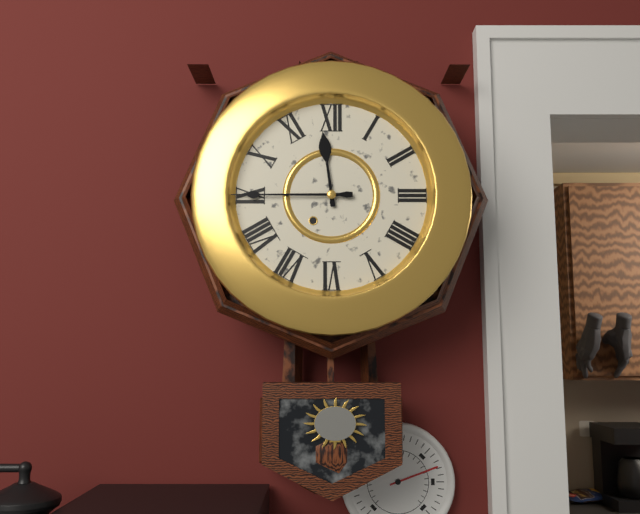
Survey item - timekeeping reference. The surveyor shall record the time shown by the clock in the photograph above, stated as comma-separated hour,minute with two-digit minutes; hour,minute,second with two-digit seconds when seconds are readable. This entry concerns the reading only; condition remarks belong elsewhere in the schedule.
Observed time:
11,45
